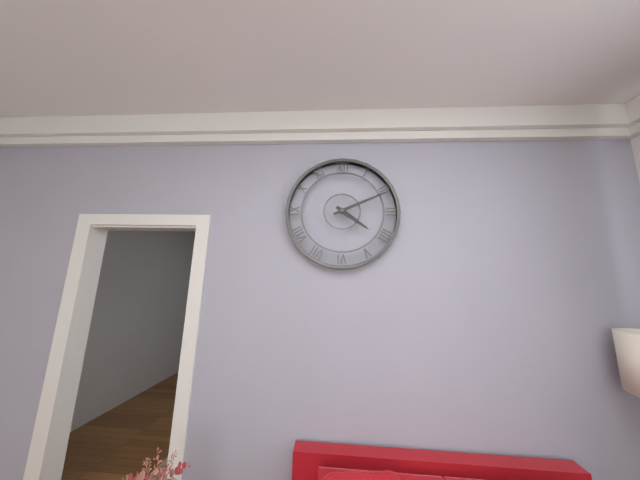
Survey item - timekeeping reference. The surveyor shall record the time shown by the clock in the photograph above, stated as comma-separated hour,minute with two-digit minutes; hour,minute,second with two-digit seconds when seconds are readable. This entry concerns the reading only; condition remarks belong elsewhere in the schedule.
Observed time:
4,11
